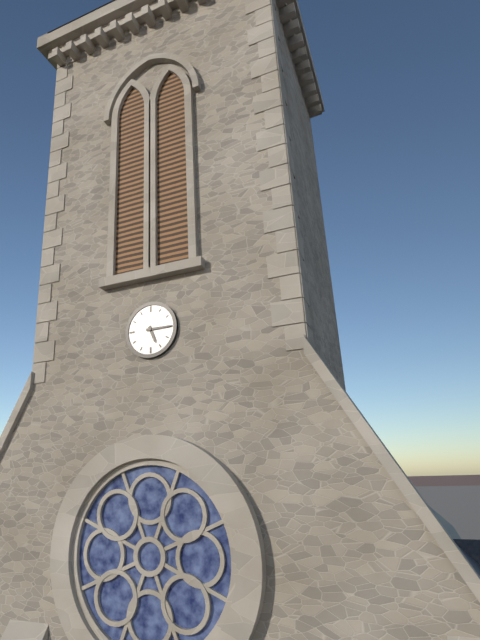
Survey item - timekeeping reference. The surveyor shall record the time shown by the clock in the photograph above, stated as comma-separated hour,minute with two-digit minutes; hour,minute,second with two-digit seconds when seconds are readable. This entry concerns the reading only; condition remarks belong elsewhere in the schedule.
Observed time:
5,15
